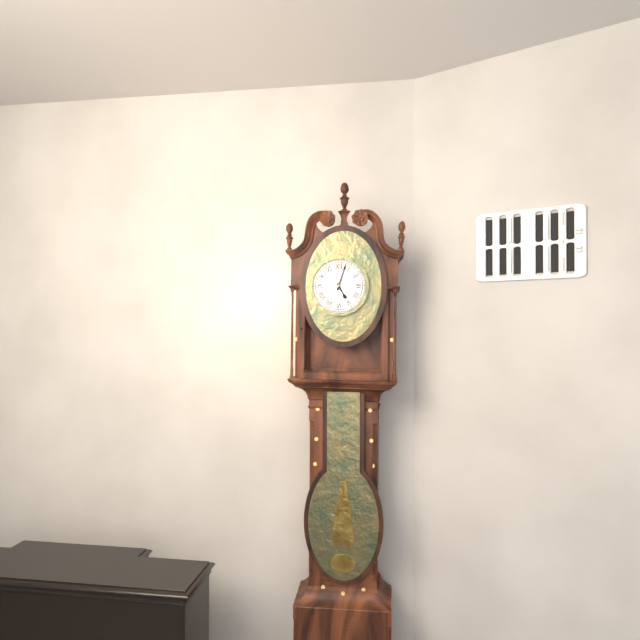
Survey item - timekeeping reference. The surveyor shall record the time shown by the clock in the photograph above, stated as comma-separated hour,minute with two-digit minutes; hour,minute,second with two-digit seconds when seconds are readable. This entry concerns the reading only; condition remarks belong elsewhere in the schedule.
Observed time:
5,03
